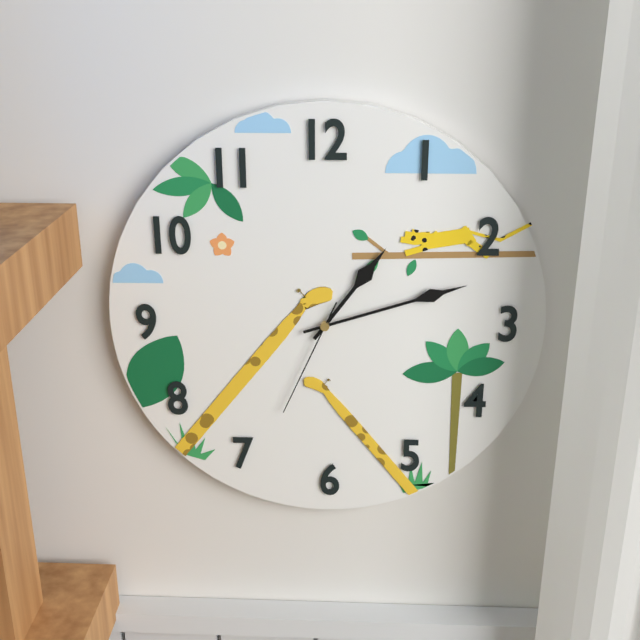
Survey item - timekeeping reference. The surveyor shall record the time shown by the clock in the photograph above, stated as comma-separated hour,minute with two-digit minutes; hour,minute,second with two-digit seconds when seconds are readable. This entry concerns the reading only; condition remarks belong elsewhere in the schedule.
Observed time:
1,12,34
